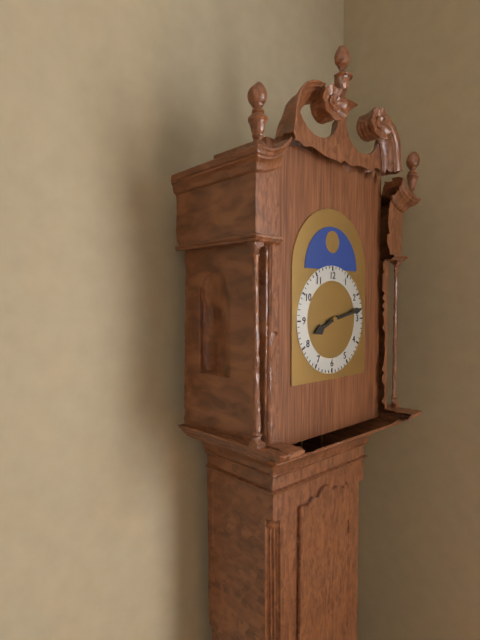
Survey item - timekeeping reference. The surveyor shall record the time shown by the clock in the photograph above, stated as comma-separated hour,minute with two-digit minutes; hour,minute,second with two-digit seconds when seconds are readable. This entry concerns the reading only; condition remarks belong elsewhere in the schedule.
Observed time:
8,13
